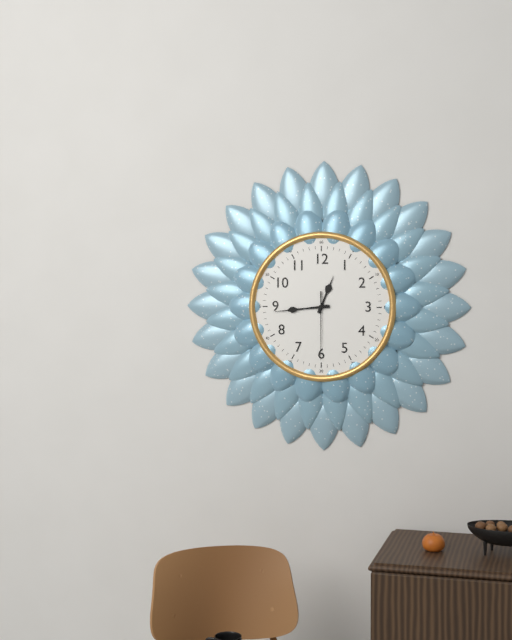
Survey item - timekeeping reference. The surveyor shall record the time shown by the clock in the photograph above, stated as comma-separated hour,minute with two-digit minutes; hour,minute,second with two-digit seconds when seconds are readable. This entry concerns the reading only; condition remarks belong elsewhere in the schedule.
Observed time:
12,44,30
